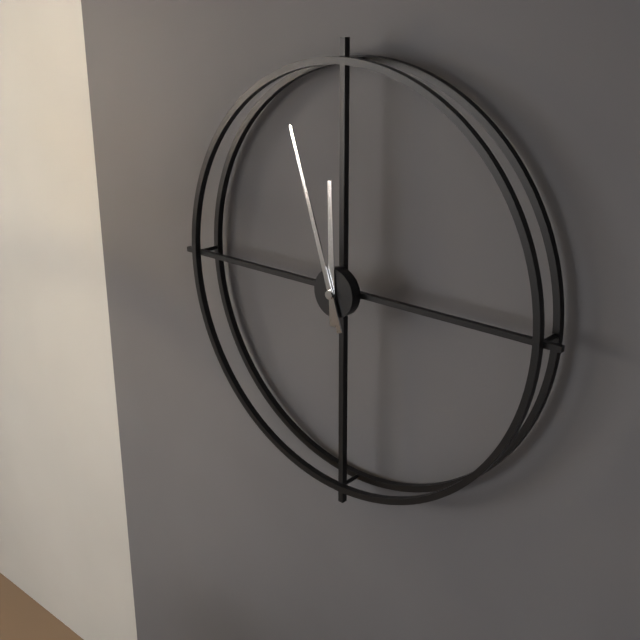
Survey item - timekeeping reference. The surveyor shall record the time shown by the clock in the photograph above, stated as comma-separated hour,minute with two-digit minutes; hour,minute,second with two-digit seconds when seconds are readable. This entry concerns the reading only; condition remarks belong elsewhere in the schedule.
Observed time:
11,57
